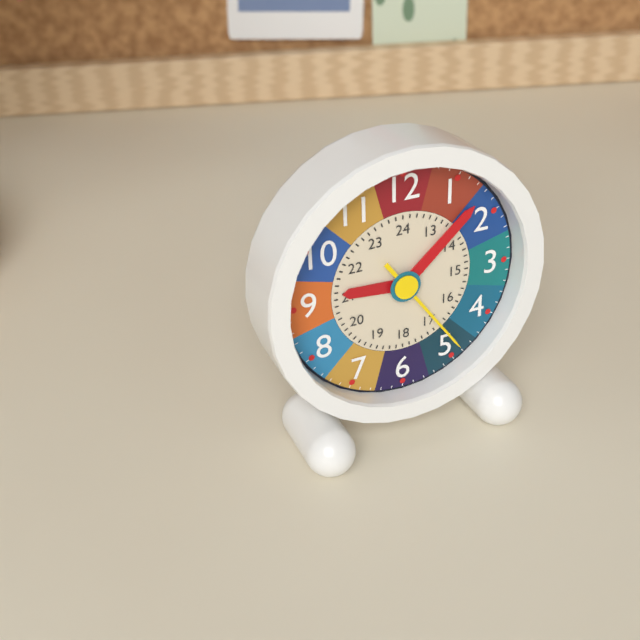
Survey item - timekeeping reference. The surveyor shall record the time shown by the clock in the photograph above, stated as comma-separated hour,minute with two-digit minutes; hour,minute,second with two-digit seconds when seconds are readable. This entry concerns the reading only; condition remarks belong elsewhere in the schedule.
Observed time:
9,08,24
